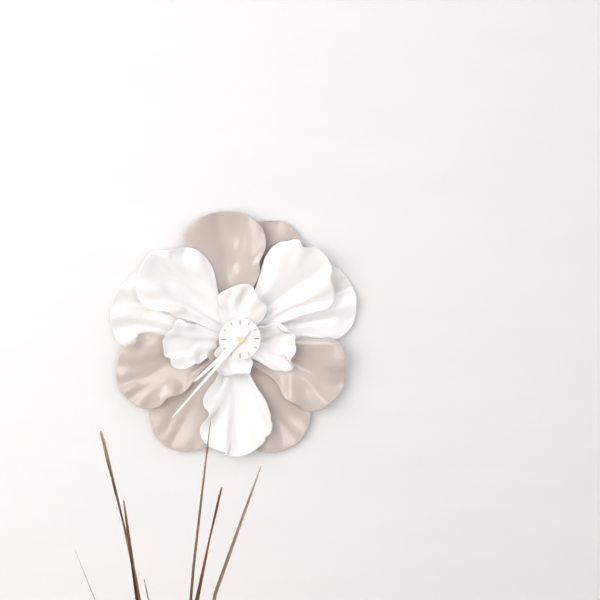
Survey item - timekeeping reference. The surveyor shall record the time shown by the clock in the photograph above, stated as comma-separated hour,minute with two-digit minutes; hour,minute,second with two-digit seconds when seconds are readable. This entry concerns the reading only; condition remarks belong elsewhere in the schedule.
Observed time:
7,37
